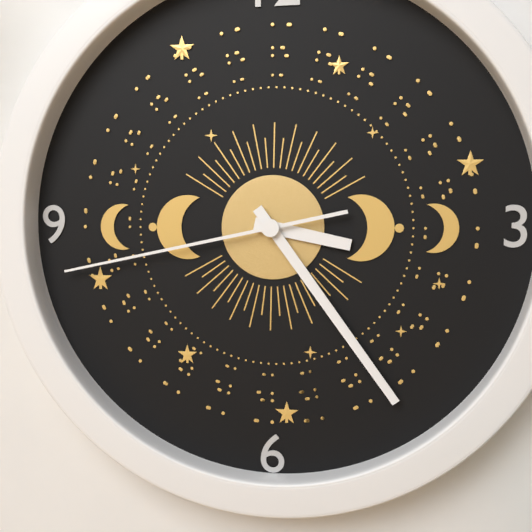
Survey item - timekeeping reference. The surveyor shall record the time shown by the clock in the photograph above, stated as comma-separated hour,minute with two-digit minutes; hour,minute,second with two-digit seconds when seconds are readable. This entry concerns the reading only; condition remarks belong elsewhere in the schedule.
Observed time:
3,24,43
